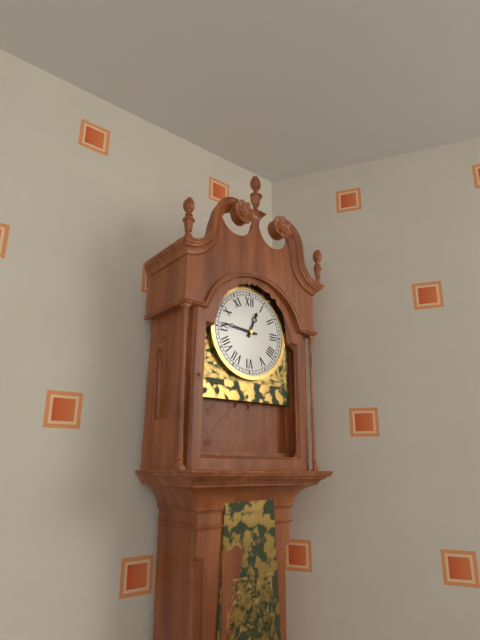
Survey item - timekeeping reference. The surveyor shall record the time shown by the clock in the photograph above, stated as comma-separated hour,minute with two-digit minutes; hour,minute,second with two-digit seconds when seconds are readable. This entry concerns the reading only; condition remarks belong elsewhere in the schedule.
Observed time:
12,46
